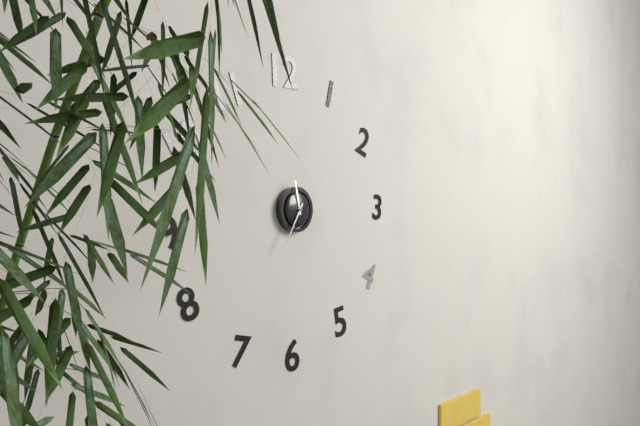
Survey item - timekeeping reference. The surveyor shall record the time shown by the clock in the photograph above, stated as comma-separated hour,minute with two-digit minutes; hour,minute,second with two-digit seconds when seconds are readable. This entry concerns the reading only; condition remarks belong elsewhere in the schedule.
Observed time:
11,35
